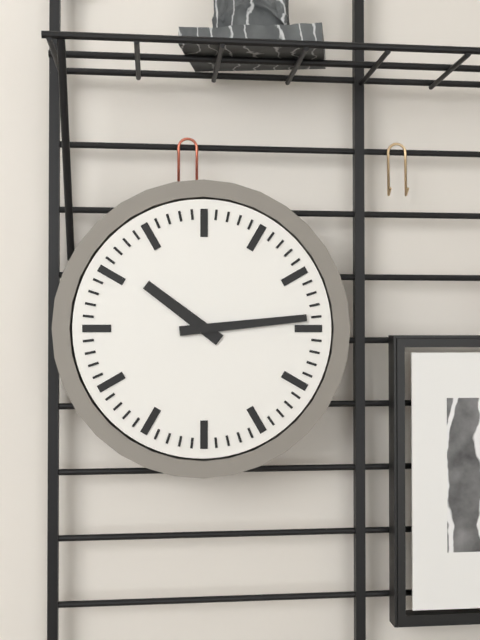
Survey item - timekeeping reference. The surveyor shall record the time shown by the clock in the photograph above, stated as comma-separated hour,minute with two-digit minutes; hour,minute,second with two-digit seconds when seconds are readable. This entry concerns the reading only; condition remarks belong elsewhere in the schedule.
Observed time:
10,14
